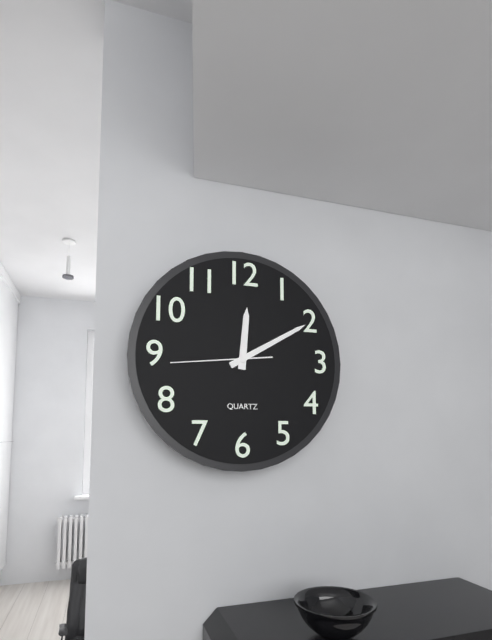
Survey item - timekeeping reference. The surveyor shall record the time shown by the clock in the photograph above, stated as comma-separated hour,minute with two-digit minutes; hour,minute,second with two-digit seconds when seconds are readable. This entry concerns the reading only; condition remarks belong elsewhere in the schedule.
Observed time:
12,10,44
